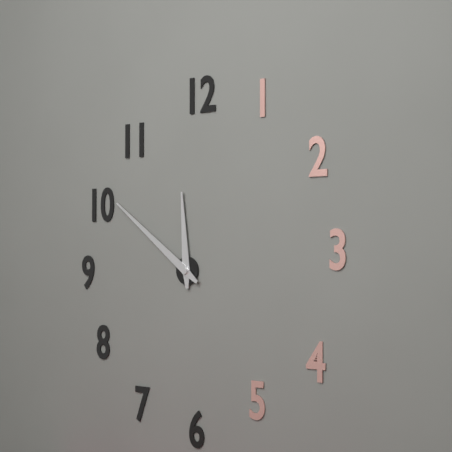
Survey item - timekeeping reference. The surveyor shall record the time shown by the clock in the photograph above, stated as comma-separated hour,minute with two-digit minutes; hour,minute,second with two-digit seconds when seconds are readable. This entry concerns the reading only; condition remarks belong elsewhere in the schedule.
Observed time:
11,51
